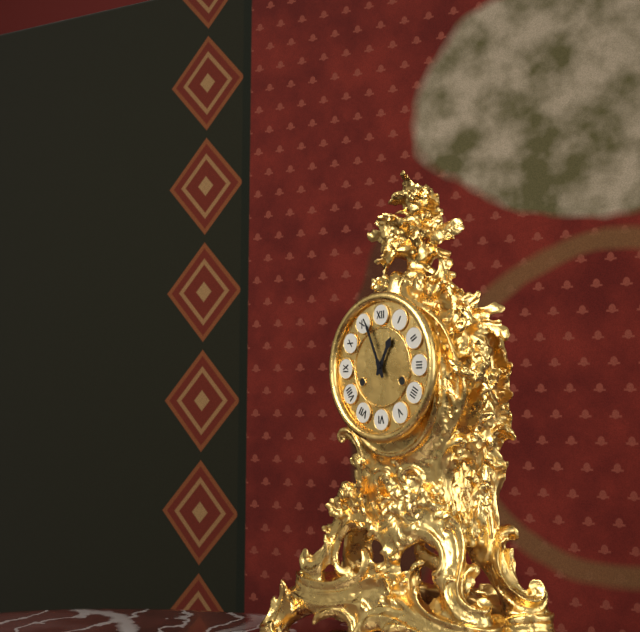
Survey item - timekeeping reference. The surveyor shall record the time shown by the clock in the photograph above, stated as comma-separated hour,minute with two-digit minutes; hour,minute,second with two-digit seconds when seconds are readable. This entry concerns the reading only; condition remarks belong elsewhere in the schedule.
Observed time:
12,56
